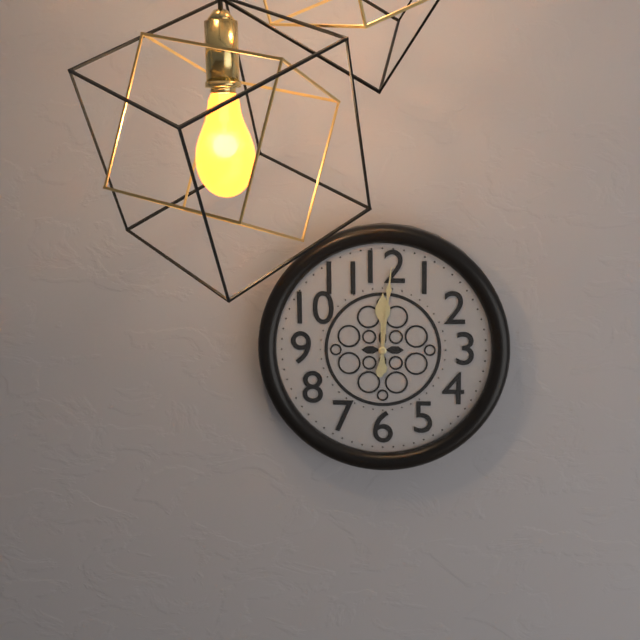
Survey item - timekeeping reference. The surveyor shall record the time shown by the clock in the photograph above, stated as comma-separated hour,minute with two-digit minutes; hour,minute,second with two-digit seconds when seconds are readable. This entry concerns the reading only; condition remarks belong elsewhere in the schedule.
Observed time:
12,01
